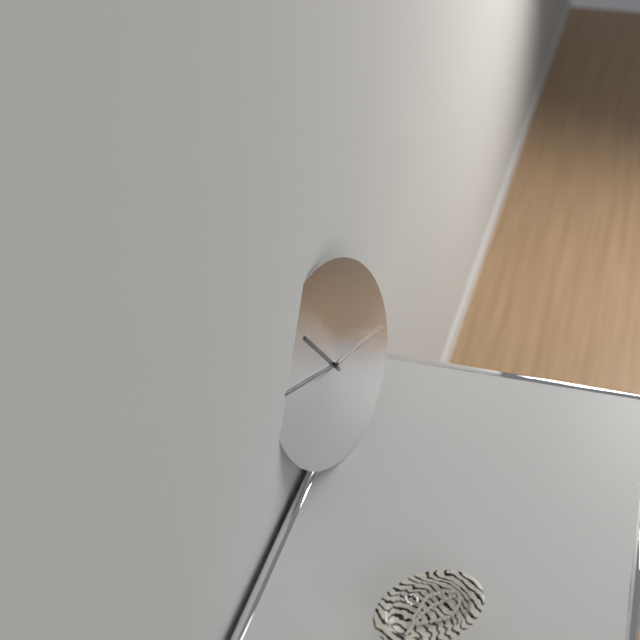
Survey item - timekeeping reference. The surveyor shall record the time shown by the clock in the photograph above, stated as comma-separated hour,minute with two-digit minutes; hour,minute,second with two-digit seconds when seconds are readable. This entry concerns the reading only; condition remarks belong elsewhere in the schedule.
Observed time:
10,47,16
